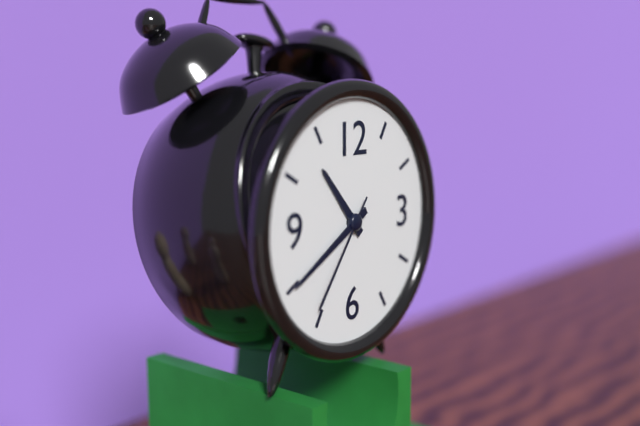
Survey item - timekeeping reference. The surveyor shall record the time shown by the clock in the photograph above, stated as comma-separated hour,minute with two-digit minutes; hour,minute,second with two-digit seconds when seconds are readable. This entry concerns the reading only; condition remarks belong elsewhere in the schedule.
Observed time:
10,40,36
